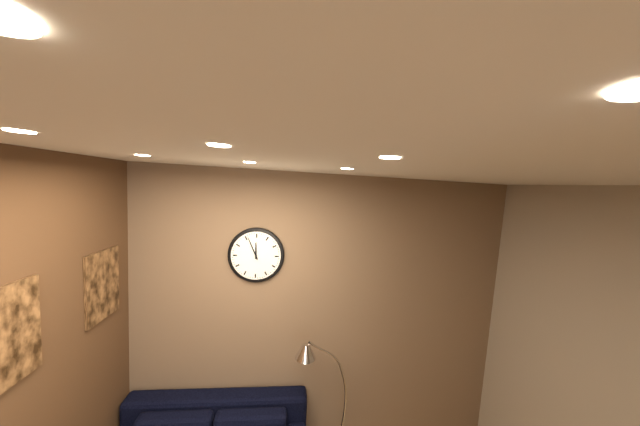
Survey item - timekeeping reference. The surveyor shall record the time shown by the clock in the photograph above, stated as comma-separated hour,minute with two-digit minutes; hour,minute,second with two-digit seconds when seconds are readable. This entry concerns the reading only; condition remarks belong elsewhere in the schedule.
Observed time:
11,56
